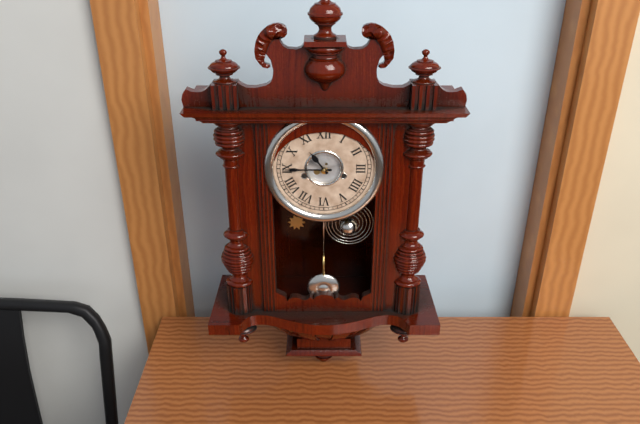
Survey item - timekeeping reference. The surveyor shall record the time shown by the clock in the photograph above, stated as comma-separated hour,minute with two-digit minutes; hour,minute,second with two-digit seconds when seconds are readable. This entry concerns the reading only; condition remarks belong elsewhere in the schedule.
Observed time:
10,45
